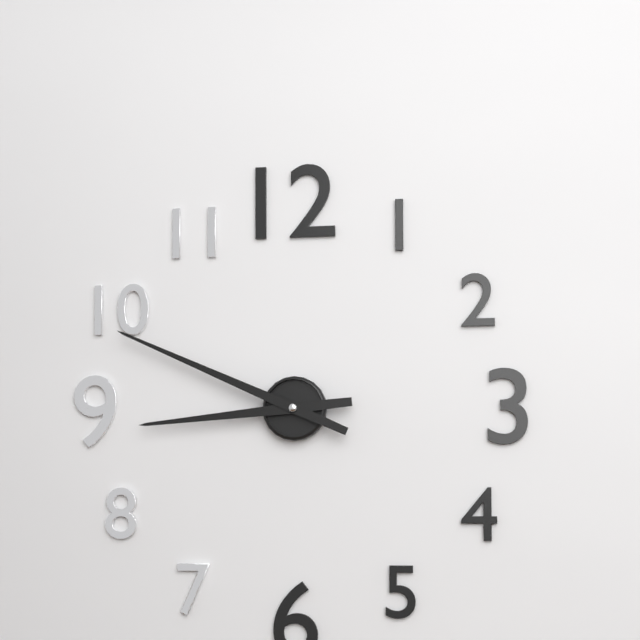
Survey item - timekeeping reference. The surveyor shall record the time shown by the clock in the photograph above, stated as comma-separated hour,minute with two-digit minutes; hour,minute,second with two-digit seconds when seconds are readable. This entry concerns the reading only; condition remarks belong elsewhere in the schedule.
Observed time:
8,49
